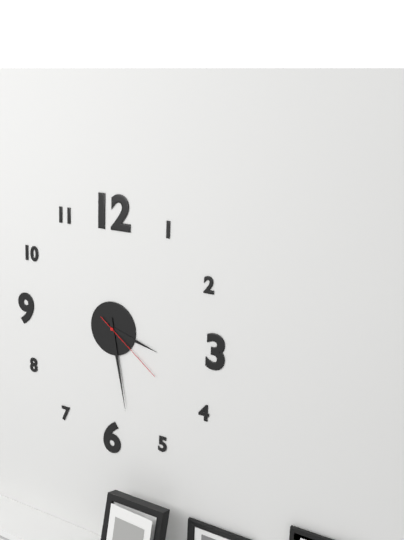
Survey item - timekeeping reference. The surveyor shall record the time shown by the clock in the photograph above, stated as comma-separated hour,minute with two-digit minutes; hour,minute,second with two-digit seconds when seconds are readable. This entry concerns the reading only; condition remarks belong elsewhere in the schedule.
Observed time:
3,28,21
